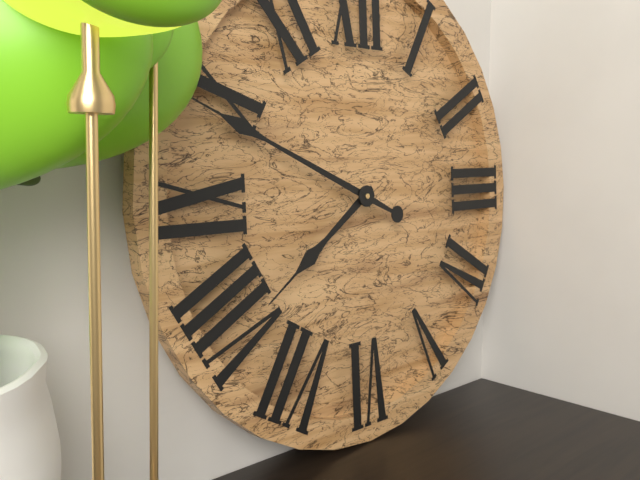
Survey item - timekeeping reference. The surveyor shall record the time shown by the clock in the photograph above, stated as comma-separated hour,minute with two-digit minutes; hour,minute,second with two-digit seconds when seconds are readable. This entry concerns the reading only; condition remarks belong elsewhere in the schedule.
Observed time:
7,49
